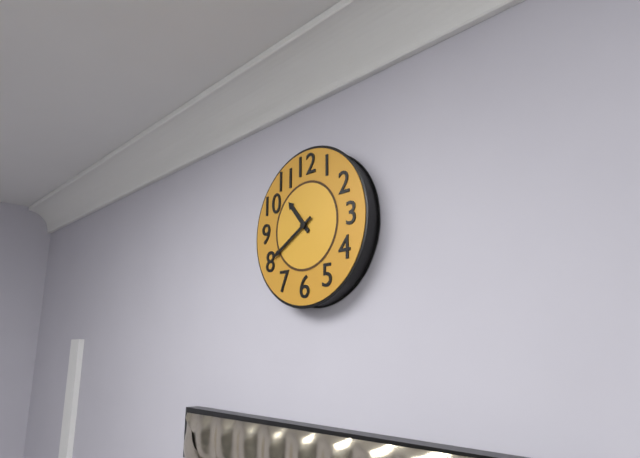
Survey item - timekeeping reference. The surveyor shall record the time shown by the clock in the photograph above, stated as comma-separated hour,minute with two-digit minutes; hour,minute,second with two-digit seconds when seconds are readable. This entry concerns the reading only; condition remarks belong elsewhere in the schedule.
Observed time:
10,40
